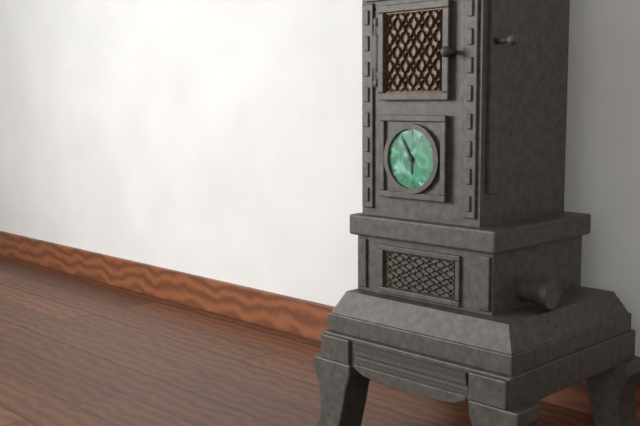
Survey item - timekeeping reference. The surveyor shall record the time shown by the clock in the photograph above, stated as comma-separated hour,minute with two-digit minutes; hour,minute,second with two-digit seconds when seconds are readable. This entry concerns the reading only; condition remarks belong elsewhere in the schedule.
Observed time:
5,55
